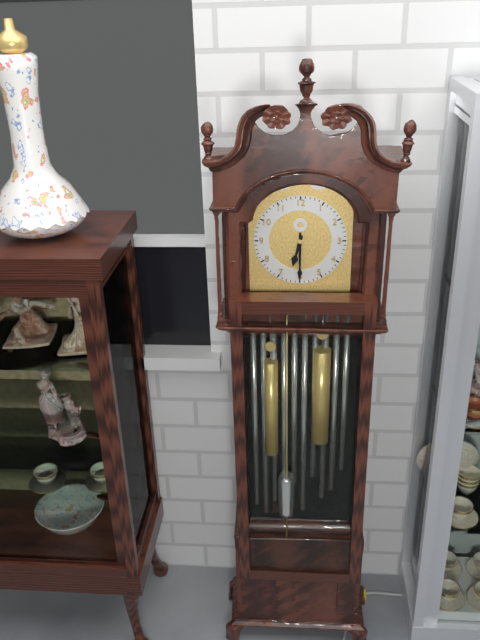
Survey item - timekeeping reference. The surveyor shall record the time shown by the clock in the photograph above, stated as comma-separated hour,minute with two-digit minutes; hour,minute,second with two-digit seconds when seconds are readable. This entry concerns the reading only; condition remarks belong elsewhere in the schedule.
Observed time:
6,30
